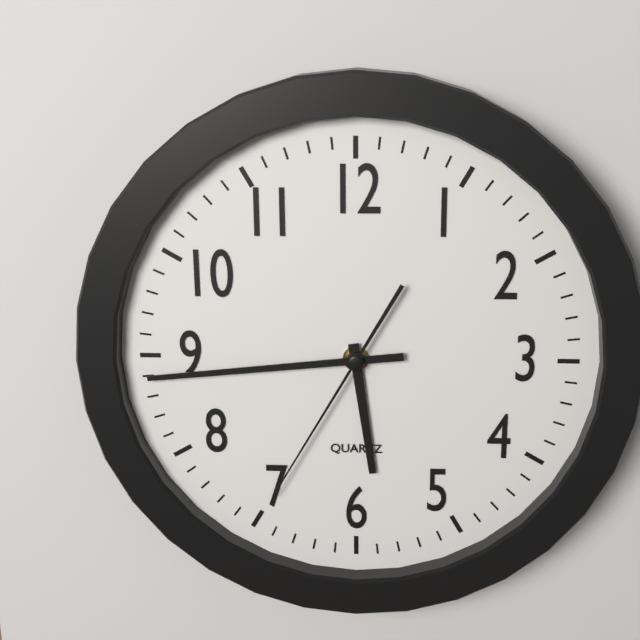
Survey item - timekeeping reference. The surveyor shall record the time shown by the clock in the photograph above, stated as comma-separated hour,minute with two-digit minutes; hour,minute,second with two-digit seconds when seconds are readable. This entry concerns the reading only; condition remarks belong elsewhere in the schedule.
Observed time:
5,44,35
